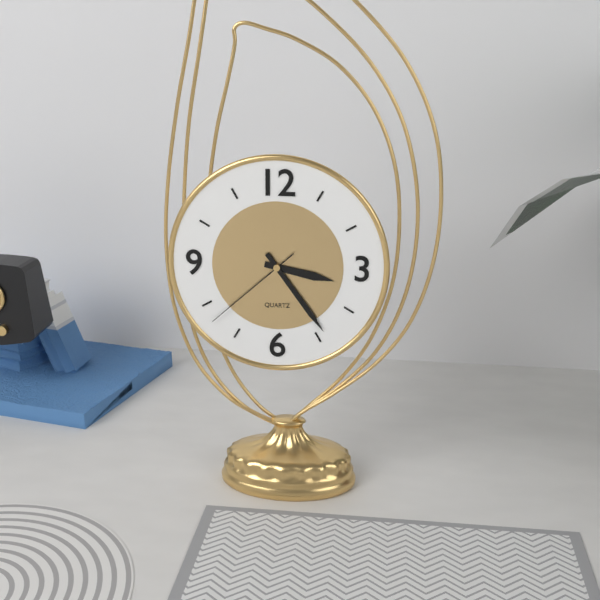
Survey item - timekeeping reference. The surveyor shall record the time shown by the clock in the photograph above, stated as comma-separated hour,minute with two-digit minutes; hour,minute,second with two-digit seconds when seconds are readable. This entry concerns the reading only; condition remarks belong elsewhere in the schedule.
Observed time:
3,24,38
